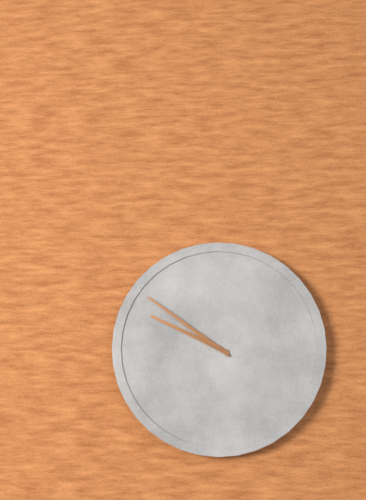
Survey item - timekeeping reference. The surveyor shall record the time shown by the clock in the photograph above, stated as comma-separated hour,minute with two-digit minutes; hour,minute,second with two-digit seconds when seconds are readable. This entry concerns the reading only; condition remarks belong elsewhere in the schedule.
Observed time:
9,51
